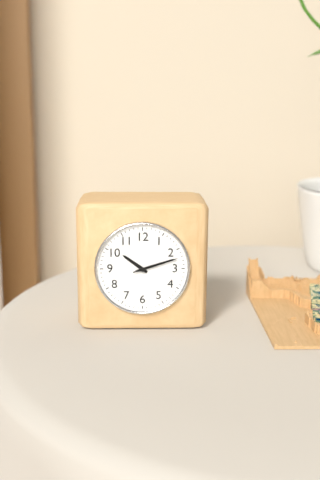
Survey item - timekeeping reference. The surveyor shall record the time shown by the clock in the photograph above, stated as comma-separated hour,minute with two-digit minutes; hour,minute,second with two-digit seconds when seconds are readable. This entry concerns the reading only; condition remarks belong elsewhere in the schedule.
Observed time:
10,12
